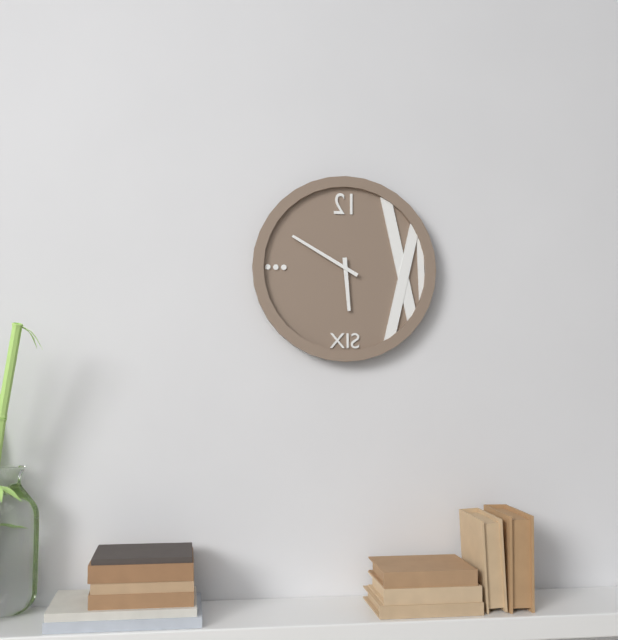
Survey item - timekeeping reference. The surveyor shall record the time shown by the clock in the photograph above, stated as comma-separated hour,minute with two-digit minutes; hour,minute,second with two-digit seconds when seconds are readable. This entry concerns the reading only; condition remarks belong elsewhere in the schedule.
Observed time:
5,50
